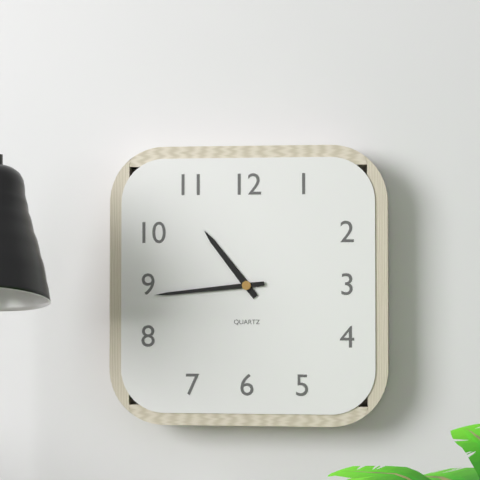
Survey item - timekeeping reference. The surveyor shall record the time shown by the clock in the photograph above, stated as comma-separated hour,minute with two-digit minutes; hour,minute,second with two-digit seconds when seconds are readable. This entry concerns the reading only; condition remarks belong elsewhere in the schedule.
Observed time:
10,44
